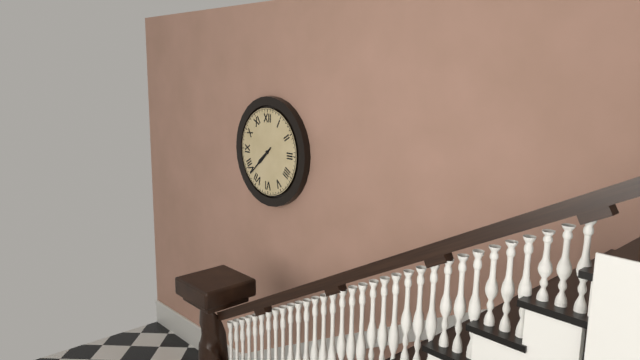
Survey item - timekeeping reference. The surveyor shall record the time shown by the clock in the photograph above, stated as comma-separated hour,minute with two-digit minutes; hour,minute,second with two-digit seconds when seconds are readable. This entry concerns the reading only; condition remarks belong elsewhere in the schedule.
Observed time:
7,38
